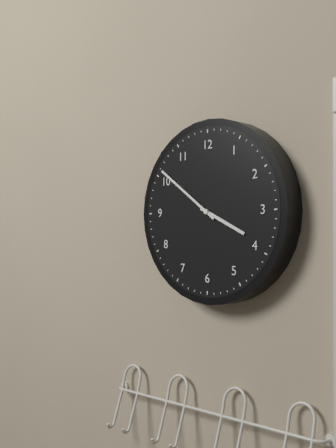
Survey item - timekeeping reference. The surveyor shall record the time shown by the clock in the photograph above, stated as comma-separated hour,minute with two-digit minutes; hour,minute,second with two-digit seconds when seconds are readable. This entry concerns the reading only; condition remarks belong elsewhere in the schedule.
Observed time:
3,51
